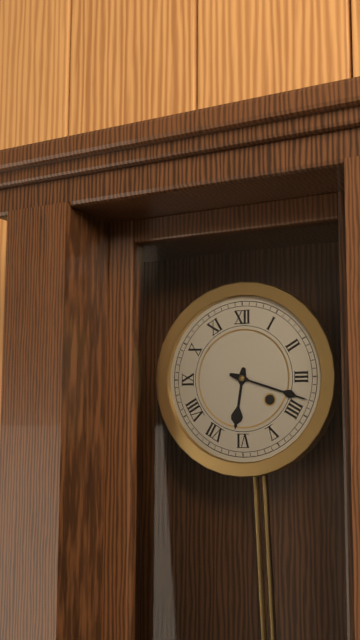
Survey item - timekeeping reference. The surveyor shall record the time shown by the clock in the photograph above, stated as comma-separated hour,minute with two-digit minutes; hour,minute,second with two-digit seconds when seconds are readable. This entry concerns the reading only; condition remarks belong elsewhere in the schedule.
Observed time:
6,18
